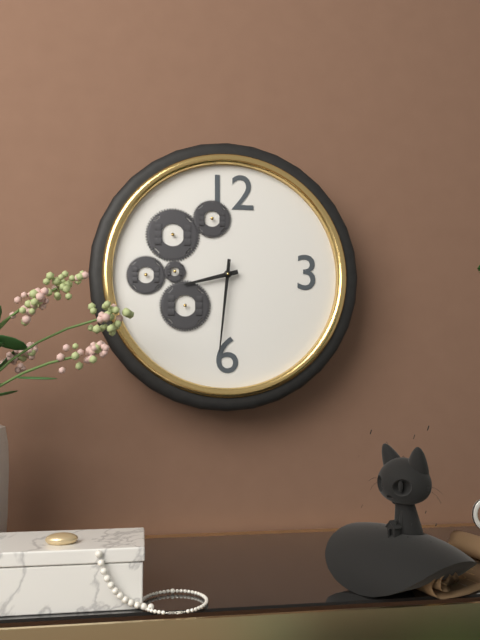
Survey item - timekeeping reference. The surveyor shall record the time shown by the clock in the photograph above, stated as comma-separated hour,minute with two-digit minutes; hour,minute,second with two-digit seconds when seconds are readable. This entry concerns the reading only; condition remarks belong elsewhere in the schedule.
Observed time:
8,31
